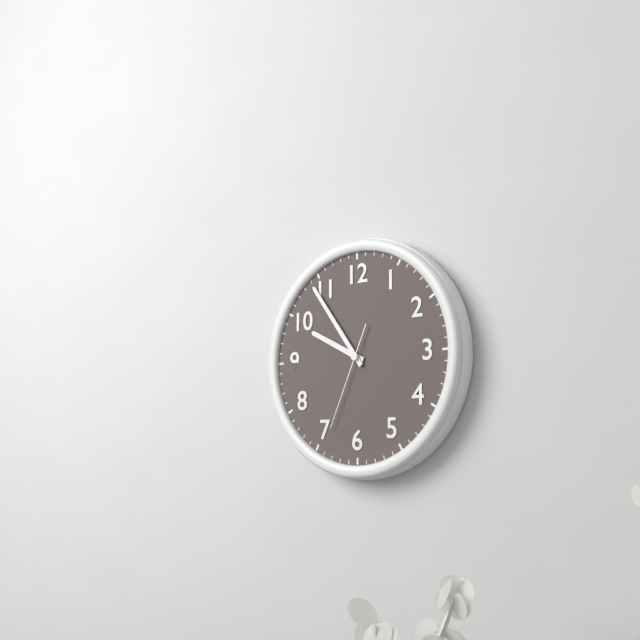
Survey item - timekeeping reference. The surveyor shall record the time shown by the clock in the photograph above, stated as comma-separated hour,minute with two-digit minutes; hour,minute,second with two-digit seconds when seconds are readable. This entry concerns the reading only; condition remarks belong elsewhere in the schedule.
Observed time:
9,54,34
